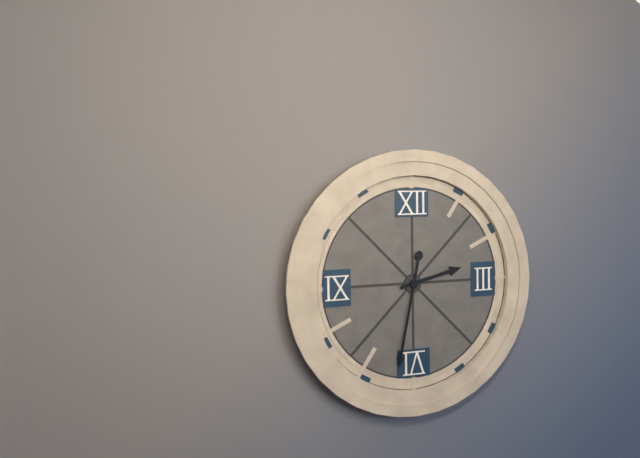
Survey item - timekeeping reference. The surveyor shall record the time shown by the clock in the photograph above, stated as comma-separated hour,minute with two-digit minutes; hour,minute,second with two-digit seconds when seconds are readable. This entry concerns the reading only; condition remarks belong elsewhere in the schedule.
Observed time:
2,32
